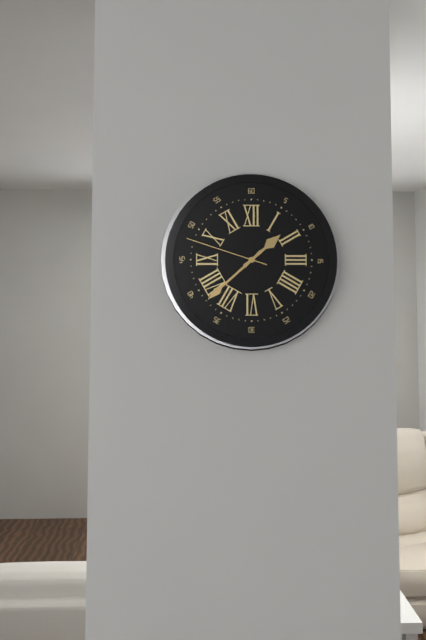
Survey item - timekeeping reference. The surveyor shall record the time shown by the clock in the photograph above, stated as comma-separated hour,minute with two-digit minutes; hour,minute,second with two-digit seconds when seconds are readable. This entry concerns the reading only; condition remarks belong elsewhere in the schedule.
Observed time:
1,38,48
